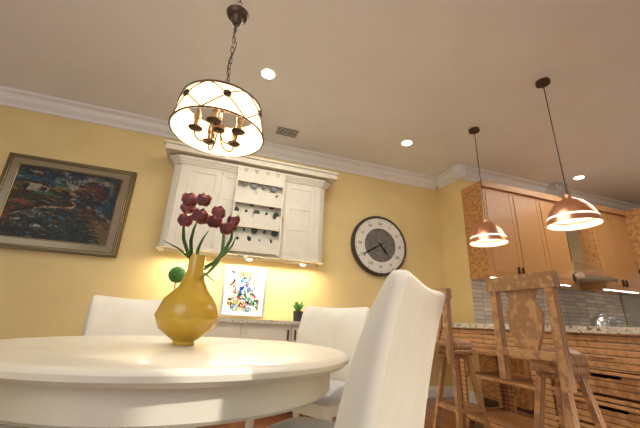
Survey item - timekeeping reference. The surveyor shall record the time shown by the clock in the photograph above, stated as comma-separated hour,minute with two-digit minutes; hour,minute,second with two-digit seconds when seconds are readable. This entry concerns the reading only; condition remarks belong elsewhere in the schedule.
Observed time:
4,40
